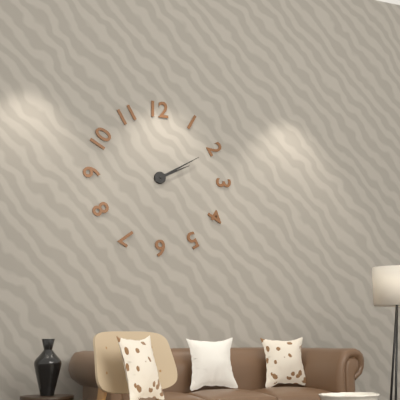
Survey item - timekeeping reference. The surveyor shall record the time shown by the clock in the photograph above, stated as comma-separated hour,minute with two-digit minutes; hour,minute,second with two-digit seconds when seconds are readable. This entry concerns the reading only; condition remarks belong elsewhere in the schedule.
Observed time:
2,10
